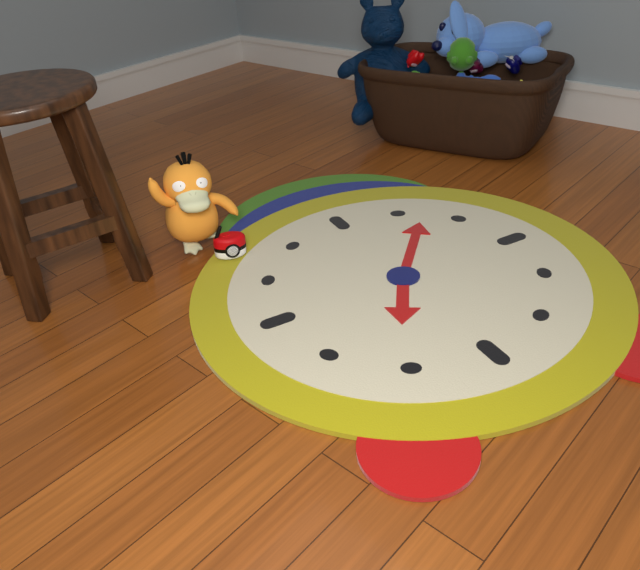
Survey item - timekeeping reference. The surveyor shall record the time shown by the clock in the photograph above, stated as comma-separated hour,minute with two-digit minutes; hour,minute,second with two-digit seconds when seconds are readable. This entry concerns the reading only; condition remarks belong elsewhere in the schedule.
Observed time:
7,07
